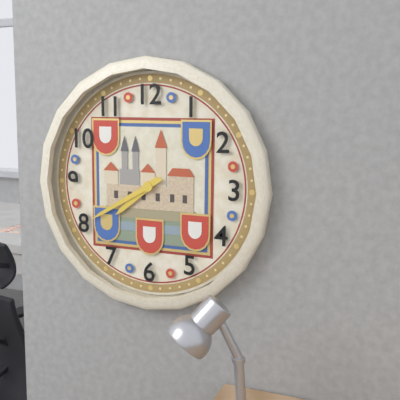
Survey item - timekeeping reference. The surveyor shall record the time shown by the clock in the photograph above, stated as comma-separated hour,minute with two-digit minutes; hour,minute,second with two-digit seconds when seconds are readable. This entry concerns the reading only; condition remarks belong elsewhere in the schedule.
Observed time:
7,40
